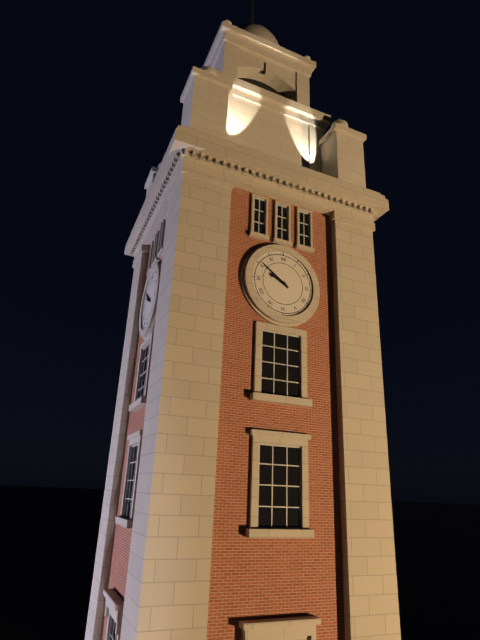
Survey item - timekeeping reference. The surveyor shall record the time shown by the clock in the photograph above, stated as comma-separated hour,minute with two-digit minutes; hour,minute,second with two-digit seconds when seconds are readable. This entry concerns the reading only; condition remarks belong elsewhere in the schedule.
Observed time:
9,51
